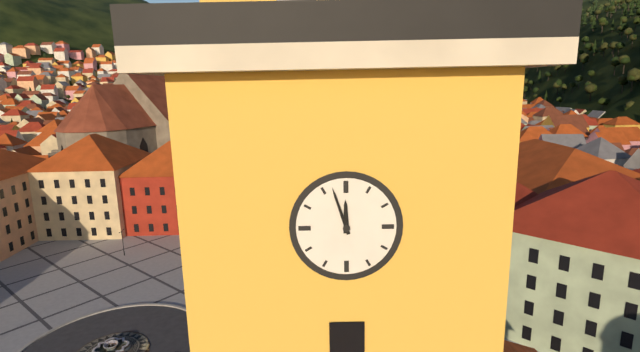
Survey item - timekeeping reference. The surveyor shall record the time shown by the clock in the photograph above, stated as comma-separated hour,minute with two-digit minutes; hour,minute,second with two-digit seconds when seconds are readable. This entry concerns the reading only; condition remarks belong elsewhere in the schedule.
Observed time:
11,57
